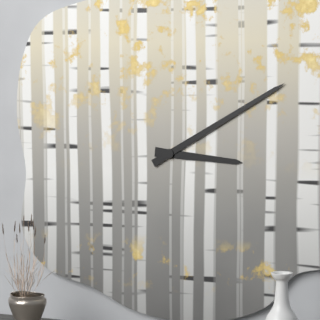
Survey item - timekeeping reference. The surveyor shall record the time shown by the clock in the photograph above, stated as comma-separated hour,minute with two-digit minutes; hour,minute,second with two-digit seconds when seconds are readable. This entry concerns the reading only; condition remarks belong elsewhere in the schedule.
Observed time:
3,10
